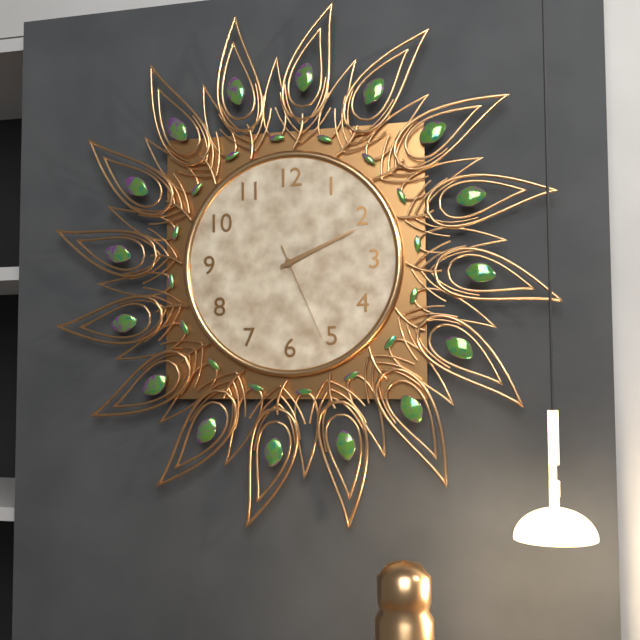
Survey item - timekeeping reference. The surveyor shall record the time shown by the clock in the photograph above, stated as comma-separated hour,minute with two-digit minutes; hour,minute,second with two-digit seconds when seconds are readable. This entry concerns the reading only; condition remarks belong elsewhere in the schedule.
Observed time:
2,11,26
